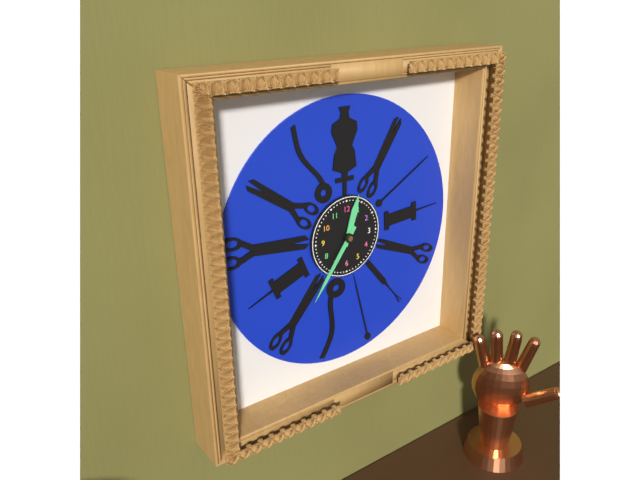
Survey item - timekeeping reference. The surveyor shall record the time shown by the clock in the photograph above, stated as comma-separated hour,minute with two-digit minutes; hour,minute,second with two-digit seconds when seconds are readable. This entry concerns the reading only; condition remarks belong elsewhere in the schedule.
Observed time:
12,36
